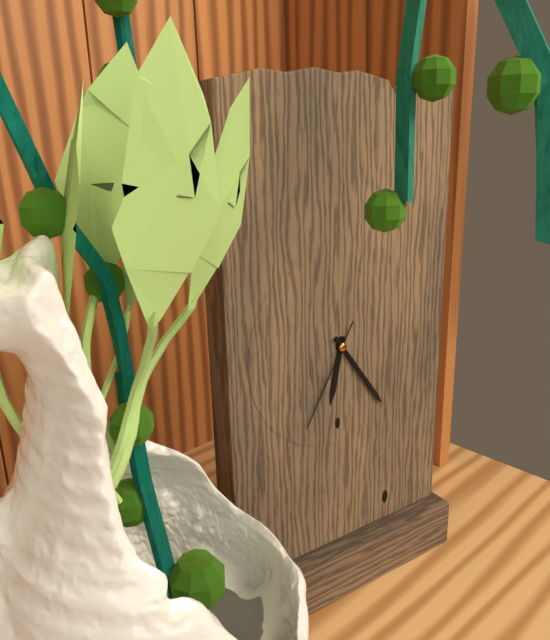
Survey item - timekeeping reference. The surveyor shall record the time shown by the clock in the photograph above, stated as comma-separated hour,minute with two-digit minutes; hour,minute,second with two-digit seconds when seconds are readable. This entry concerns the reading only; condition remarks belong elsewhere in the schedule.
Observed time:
6,24,35
